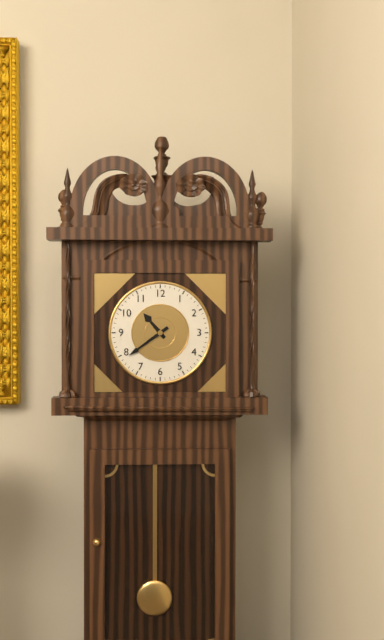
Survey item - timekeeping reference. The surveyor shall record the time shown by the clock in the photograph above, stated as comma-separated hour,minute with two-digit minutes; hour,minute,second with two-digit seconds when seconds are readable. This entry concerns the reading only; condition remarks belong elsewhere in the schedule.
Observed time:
10,39
